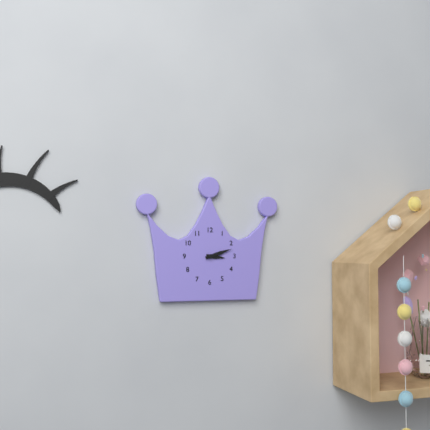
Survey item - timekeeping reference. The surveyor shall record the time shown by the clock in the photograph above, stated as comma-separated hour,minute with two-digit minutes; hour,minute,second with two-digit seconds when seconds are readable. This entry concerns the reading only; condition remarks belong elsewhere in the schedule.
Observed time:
3,12
